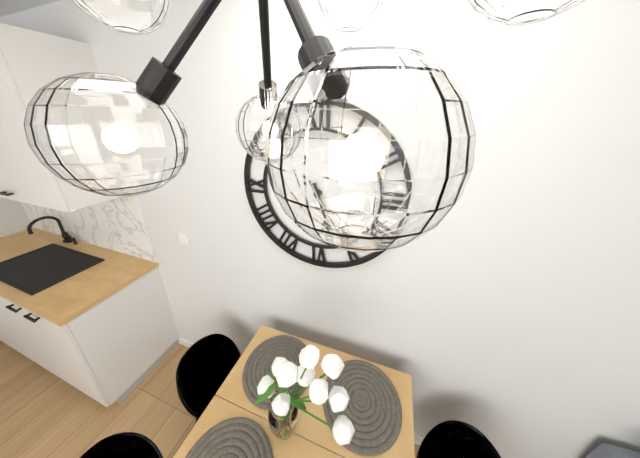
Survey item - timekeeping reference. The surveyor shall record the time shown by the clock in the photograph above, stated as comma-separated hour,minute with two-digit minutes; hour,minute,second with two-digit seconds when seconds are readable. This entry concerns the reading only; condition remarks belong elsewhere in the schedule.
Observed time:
5,25
